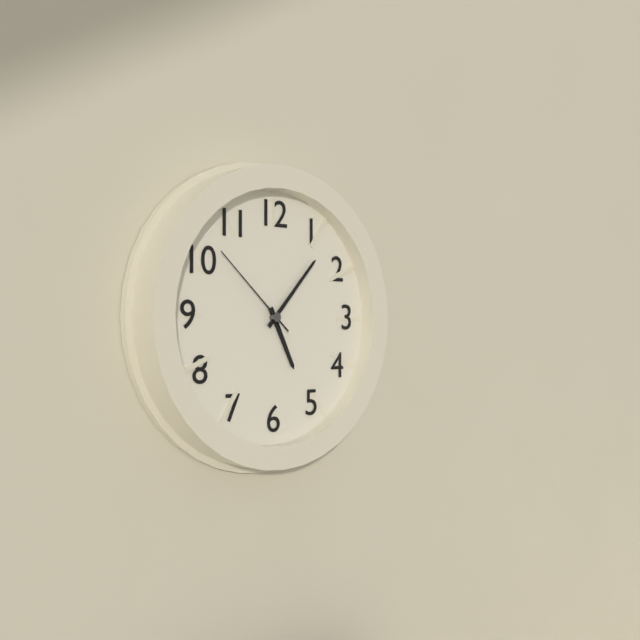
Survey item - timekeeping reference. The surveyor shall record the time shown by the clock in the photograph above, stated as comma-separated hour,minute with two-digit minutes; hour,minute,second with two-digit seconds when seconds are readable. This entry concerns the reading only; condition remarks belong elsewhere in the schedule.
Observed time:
5,07,52
